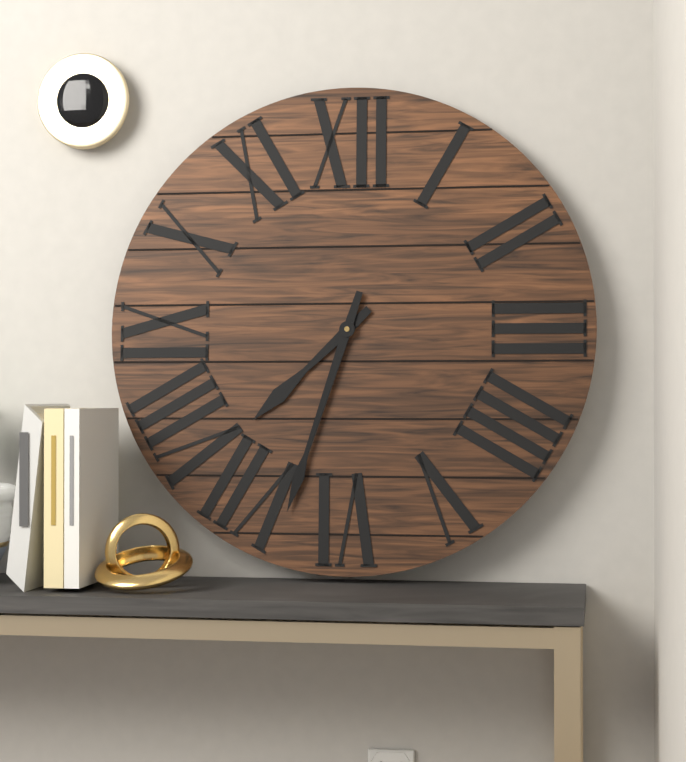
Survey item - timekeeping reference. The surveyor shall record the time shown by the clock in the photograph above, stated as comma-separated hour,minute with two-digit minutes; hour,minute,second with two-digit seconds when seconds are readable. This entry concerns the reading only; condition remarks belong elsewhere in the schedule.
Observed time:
7,33
